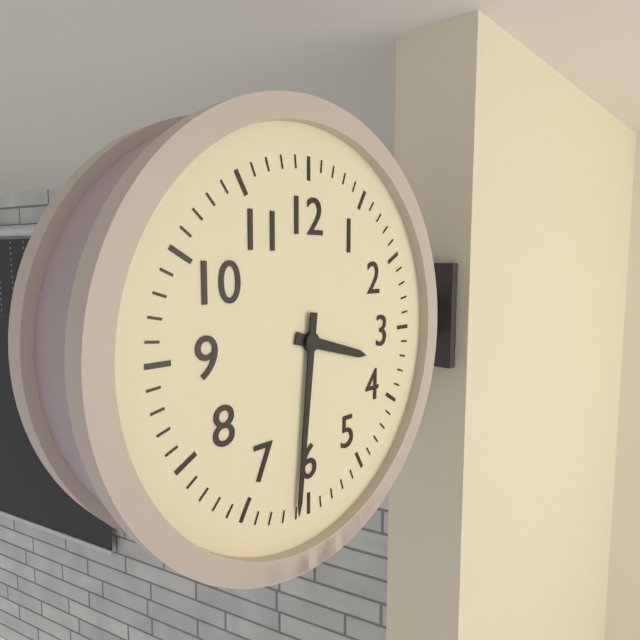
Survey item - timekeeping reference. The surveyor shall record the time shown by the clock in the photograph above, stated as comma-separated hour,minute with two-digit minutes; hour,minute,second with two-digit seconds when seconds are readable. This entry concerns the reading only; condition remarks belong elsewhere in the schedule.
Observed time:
3,31
